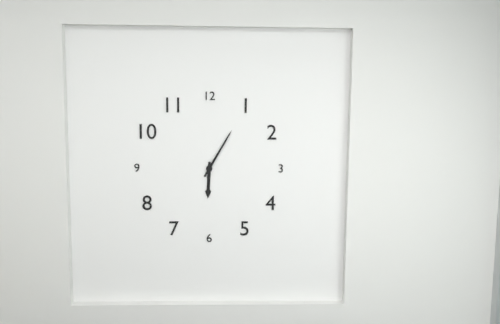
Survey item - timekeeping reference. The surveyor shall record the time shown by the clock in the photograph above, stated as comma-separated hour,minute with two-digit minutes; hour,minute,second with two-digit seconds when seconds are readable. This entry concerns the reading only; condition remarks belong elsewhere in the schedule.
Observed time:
6,05
